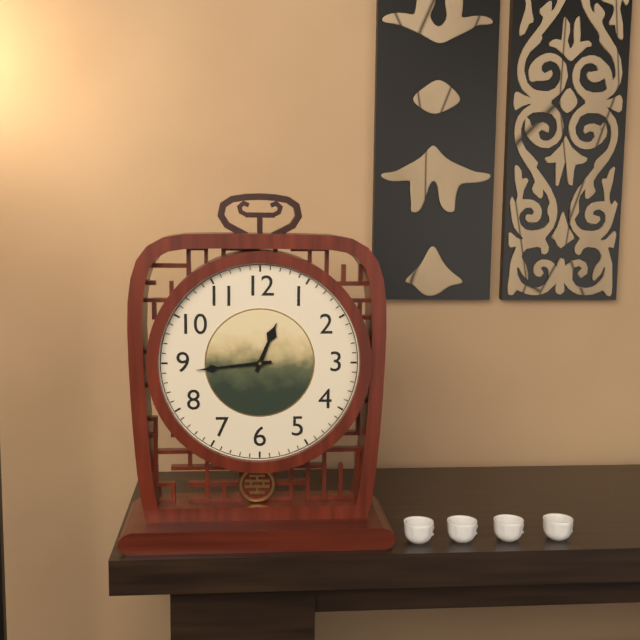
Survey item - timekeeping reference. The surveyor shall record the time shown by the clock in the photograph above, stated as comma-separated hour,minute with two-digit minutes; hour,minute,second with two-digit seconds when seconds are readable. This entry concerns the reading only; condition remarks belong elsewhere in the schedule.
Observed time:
12,44
